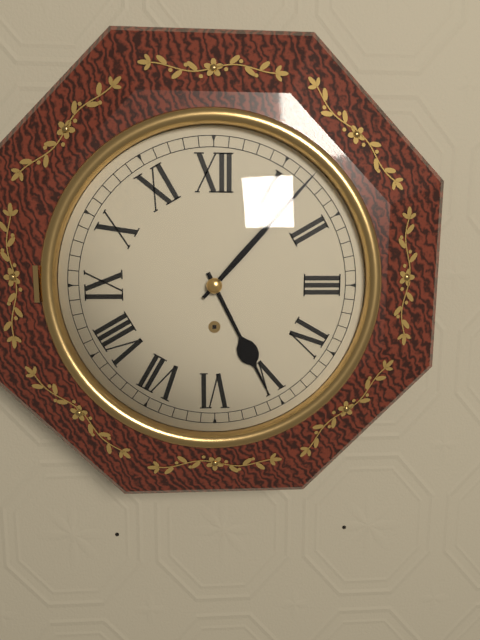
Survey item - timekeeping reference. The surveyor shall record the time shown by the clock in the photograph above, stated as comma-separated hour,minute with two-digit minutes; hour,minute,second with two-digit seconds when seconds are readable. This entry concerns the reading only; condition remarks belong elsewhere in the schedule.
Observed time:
5,07
